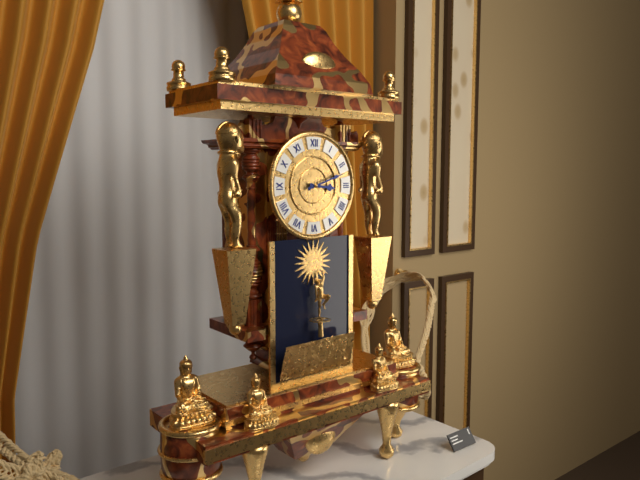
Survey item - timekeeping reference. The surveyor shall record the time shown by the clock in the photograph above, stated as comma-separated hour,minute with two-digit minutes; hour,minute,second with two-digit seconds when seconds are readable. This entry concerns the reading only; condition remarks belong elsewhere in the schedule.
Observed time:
3,12
